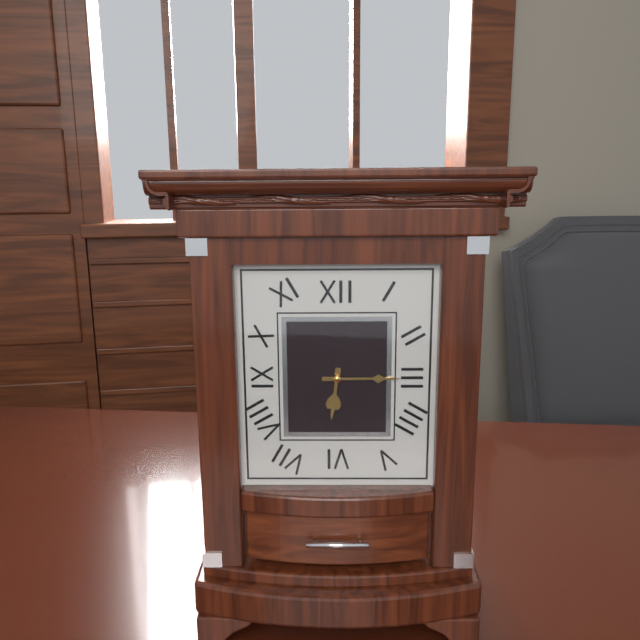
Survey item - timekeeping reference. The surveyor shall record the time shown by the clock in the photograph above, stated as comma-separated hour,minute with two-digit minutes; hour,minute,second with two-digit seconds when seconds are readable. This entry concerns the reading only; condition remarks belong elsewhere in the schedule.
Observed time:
6,15
